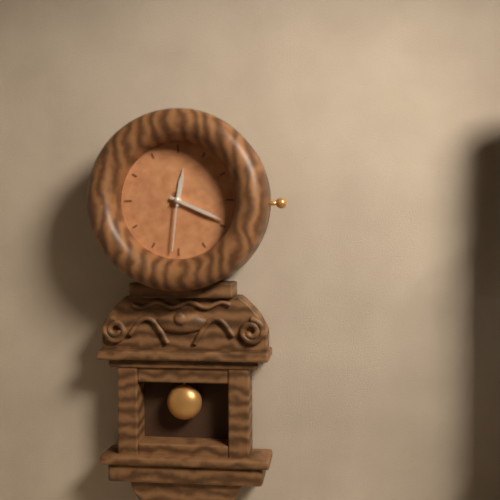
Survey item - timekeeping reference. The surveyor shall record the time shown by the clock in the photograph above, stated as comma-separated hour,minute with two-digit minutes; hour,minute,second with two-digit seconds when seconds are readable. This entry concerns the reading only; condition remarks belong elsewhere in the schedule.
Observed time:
12,19,31
